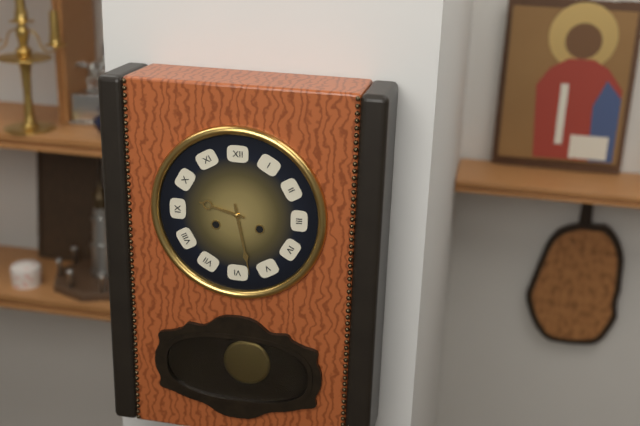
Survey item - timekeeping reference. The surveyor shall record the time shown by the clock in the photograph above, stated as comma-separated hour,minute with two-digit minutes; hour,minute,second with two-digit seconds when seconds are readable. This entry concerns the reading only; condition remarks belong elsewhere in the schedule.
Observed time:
9,28
